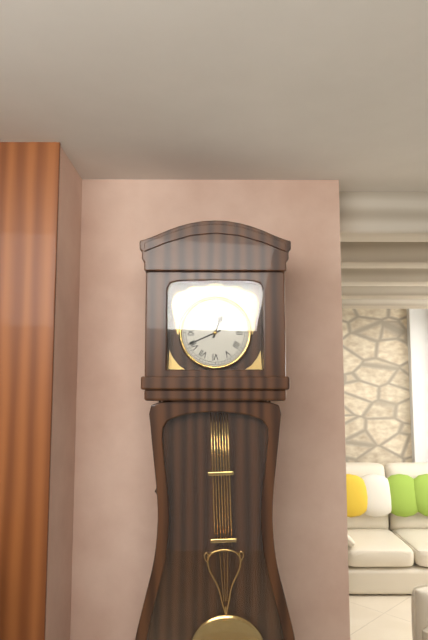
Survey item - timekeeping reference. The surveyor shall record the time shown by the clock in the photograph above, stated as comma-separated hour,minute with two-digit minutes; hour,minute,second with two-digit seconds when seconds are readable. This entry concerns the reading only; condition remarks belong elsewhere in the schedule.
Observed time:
12,41
